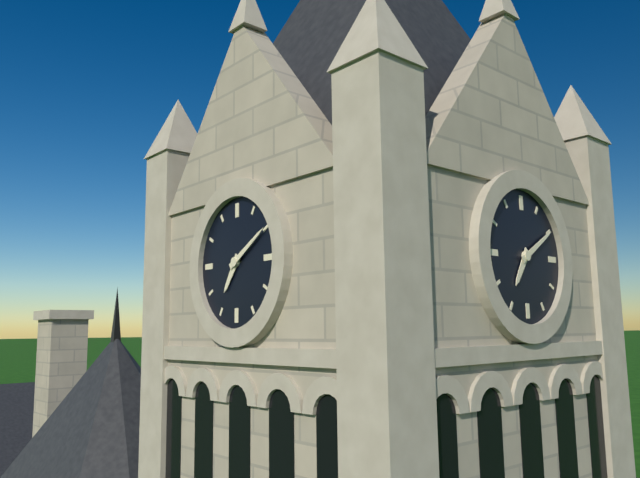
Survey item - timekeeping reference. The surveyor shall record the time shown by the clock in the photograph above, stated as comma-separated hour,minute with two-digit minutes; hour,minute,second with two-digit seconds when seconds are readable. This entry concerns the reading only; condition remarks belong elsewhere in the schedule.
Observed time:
7,10
